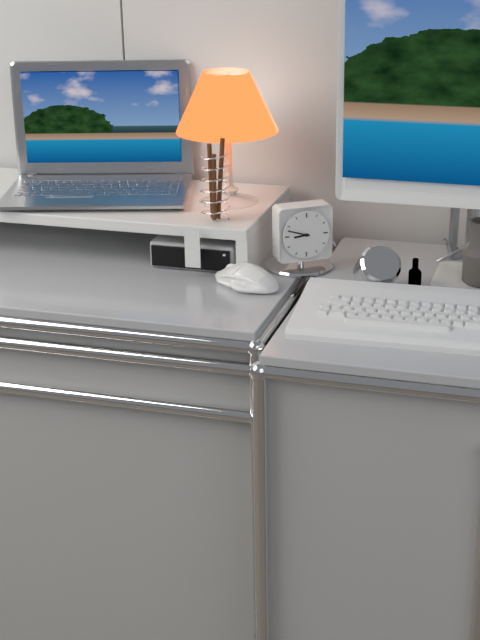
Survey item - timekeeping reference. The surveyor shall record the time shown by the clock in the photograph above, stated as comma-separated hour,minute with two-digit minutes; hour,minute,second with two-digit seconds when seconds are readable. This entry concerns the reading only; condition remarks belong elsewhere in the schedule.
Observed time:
8,48
